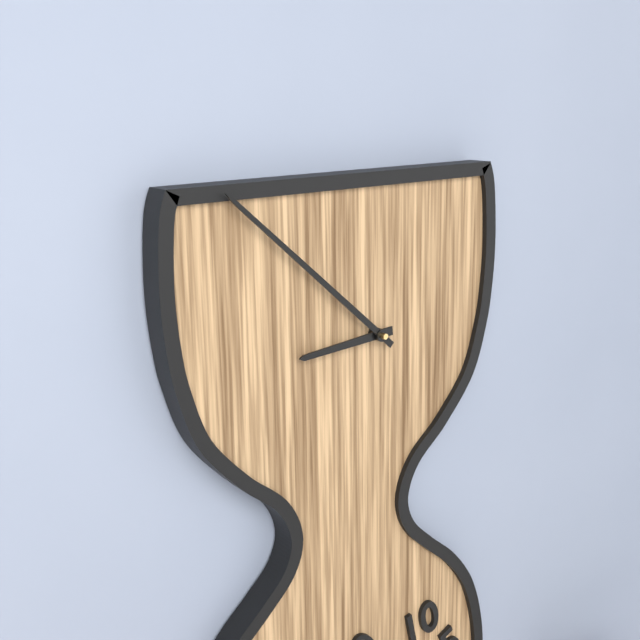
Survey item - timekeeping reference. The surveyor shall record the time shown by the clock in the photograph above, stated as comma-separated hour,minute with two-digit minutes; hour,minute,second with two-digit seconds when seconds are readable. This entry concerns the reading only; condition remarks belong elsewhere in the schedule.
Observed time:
8,52
